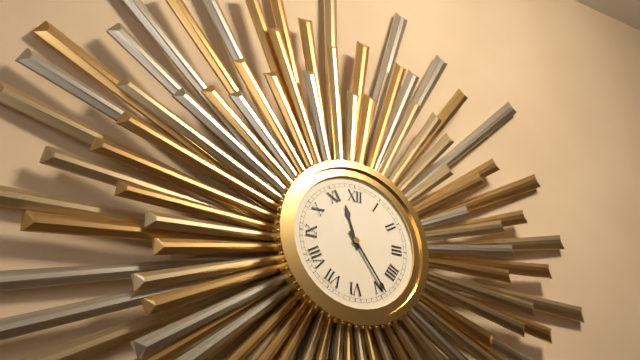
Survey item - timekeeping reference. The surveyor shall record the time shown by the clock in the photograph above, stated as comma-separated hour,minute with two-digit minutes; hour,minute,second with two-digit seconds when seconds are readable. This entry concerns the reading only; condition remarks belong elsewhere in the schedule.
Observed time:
11,24
